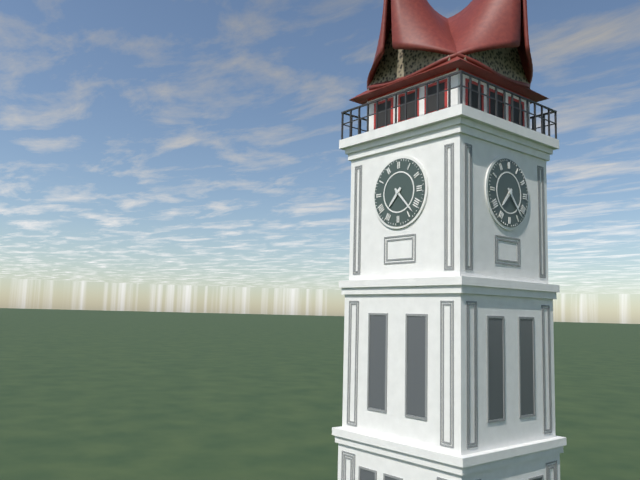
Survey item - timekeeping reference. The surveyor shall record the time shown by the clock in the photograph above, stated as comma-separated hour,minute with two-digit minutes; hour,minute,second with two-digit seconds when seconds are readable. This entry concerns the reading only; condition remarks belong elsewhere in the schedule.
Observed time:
7,23
